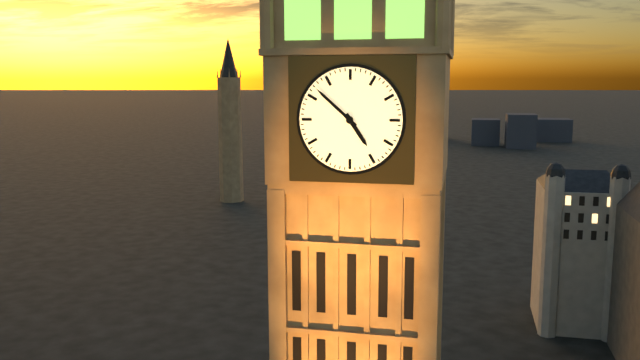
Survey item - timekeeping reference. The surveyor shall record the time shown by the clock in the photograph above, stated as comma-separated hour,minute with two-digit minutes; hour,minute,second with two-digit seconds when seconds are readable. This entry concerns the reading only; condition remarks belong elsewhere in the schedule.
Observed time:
4,52
